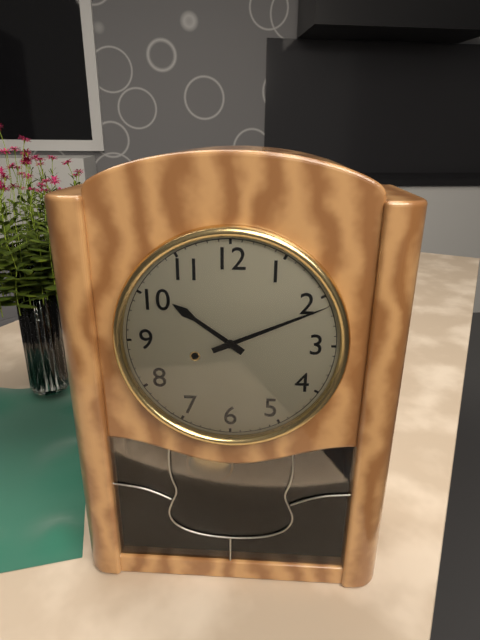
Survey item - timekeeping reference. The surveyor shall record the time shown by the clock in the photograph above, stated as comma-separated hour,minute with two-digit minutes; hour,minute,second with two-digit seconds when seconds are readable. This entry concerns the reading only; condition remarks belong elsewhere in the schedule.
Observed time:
10,11
